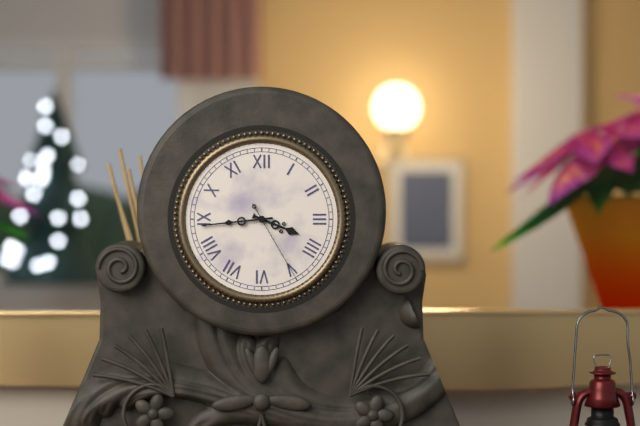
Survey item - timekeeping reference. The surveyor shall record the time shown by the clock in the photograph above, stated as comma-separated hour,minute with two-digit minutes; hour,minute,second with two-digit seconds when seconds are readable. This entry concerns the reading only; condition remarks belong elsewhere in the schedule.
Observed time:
3,44,25
